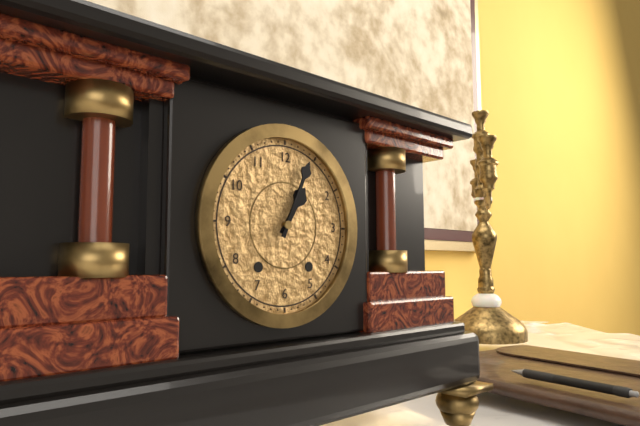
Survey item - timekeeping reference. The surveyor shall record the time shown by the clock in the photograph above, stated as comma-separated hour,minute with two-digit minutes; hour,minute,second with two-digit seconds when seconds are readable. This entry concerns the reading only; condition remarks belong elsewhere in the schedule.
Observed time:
1,04
